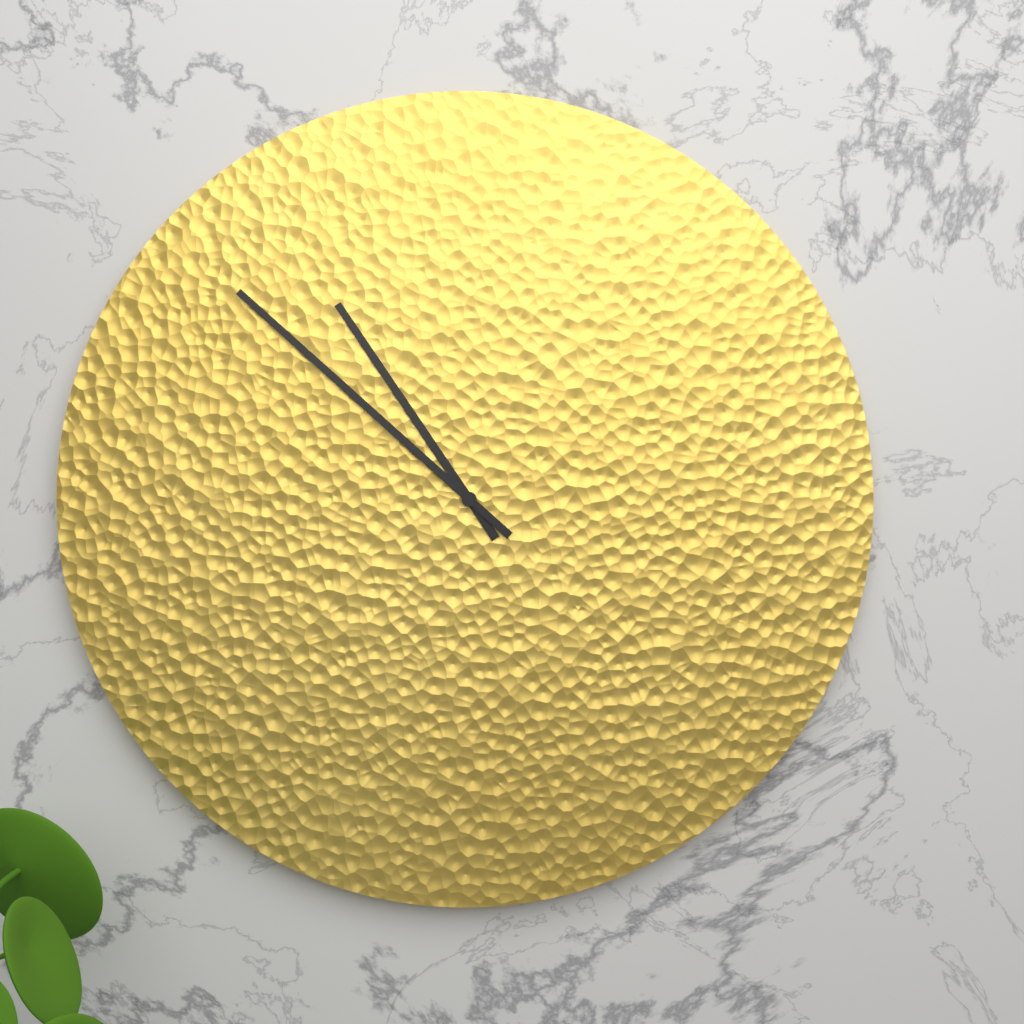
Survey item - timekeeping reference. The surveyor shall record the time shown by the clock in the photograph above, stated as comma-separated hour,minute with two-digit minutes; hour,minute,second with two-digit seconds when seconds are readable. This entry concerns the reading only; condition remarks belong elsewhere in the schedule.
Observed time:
10,52
